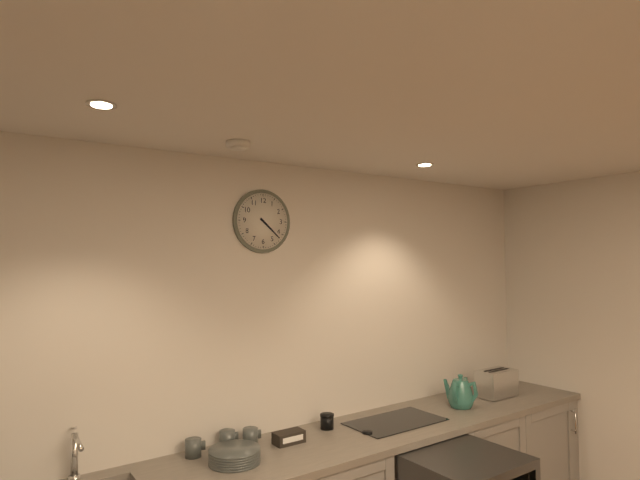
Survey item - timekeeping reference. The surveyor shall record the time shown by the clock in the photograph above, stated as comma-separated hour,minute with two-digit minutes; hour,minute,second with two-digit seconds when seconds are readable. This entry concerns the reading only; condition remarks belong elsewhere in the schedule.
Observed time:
4,22
